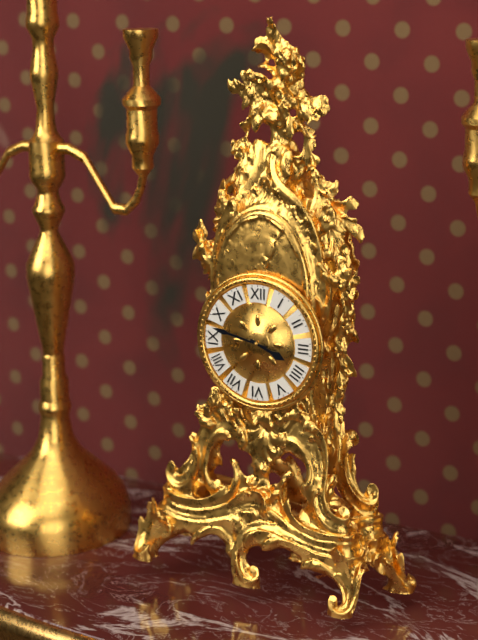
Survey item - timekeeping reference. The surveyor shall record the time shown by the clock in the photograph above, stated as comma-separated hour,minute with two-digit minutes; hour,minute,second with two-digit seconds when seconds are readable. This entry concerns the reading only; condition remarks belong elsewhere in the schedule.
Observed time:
3,47
